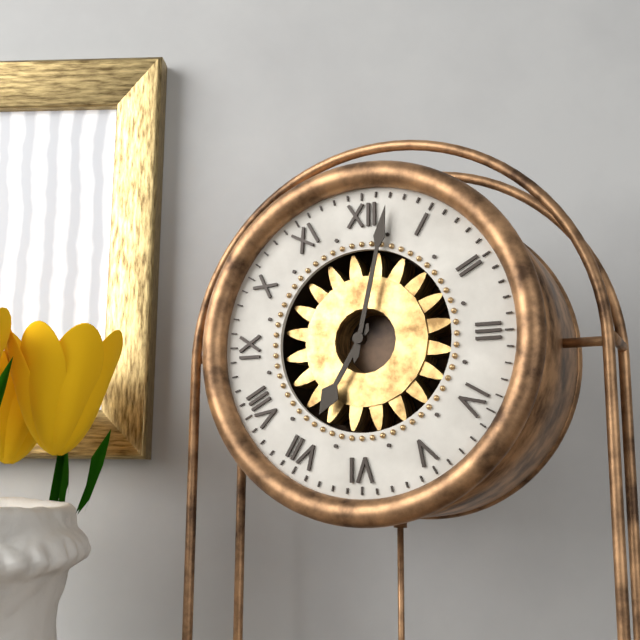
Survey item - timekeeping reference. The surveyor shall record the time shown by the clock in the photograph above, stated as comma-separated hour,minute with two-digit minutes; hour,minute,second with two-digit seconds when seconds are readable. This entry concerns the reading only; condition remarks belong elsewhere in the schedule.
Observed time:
7,02
